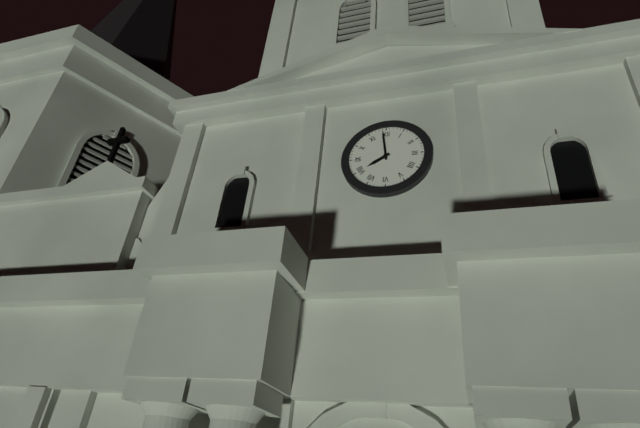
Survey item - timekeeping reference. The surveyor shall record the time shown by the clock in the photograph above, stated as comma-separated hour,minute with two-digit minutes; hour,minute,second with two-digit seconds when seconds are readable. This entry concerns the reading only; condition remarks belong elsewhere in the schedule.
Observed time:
7,59
